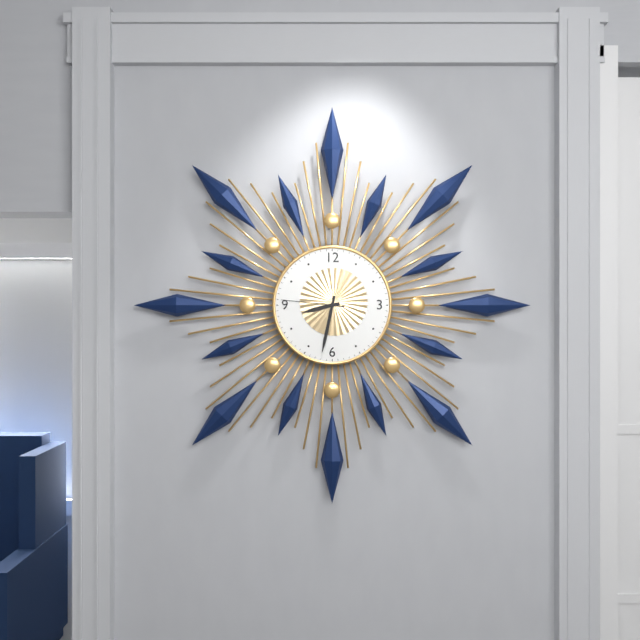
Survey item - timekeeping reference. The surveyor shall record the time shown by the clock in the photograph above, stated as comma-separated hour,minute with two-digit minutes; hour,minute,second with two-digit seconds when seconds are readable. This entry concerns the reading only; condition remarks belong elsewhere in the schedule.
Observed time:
8,32,46
